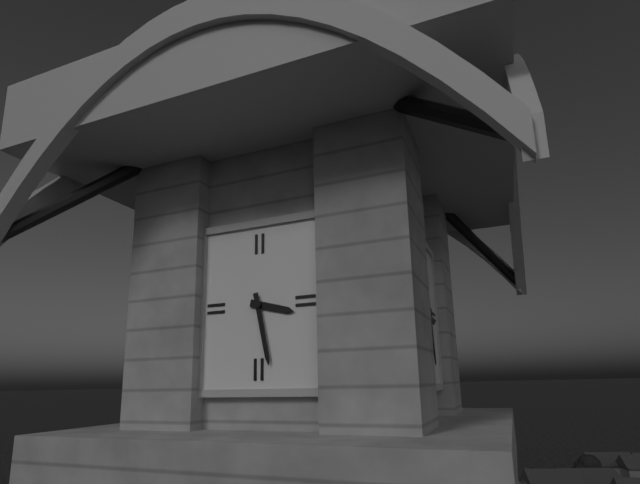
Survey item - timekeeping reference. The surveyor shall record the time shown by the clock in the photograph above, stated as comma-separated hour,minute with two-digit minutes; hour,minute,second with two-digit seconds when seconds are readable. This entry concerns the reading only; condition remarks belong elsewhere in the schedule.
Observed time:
3,28
